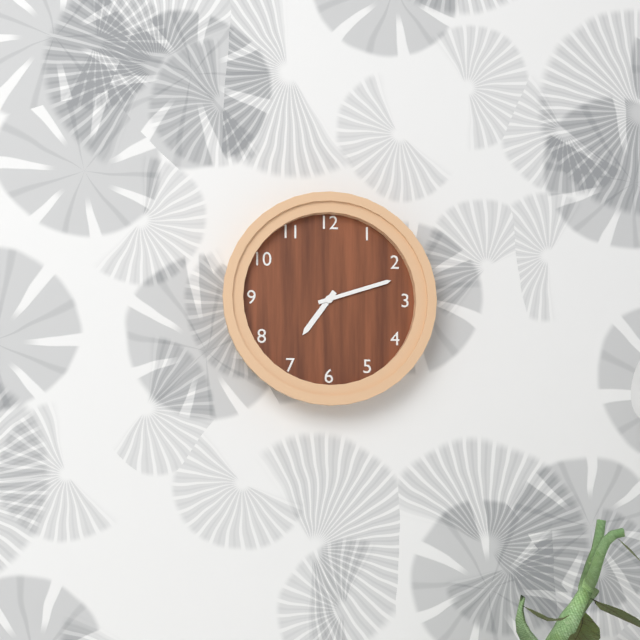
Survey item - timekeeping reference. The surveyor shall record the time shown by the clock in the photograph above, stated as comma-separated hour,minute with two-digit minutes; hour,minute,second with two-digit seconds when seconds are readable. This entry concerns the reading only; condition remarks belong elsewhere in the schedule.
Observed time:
7,12
